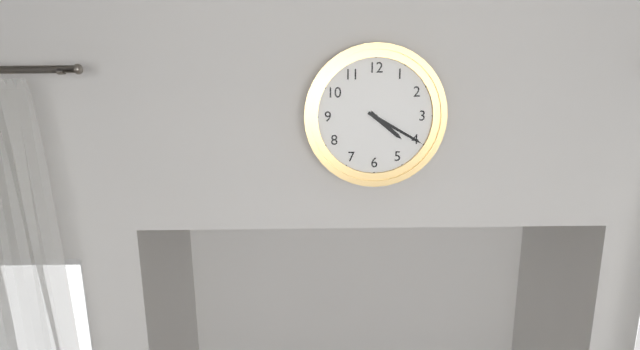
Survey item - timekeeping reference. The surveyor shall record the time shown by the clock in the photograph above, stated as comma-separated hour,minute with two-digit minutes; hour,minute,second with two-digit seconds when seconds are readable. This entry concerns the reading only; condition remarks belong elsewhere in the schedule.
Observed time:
4,20
